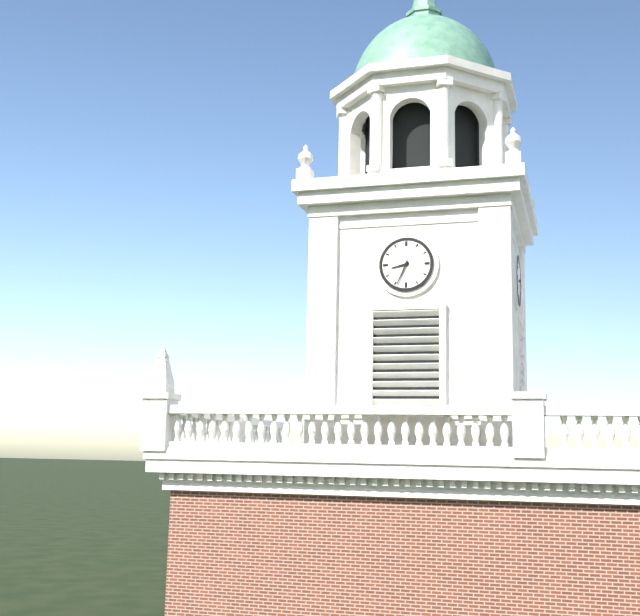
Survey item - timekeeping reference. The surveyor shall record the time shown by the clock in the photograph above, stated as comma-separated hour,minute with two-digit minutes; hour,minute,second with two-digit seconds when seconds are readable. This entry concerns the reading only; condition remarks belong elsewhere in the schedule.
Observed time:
8,34
